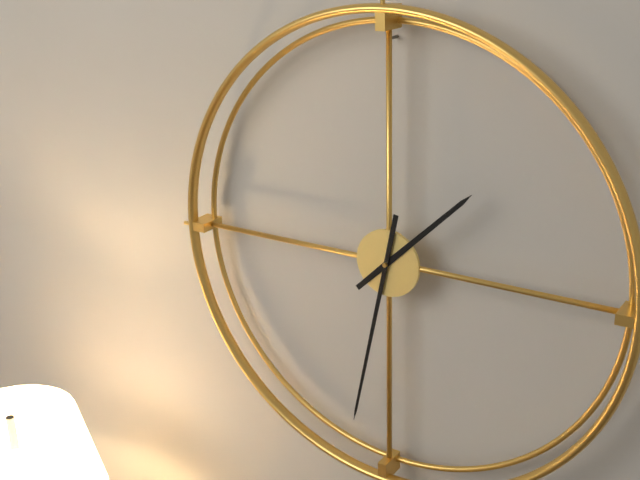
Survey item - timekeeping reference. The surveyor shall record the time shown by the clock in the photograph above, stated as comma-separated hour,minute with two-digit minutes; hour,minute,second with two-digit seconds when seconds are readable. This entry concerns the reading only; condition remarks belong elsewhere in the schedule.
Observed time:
1,32
